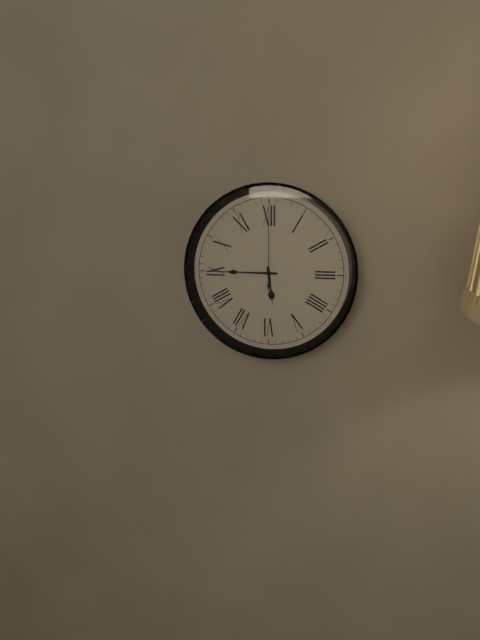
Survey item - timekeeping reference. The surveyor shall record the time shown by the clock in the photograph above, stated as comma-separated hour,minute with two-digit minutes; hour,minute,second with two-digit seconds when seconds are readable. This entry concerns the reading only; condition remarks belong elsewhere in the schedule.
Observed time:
5,45,00
